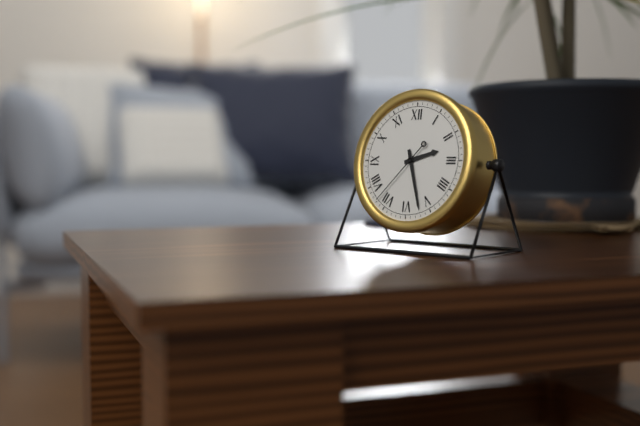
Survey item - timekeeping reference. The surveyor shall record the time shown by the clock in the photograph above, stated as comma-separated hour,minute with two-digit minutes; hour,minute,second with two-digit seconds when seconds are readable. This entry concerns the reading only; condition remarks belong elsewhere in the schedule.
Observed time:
2,27,37
